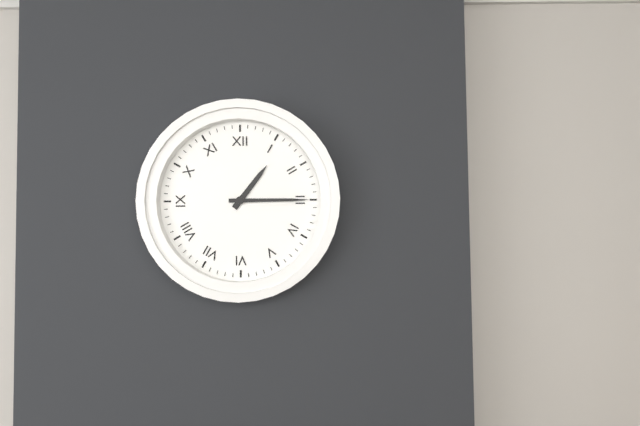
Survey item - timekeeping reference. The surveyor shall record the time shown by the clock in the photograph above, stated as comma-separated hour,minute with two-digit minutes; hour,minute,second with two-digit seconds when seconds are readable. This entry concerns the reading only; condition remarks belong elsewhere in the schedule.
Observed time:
1,15
